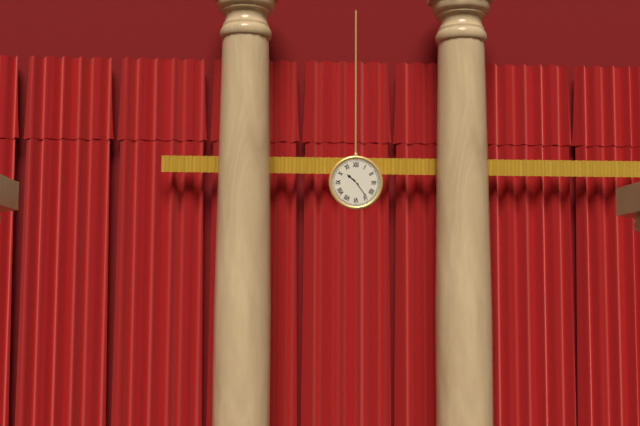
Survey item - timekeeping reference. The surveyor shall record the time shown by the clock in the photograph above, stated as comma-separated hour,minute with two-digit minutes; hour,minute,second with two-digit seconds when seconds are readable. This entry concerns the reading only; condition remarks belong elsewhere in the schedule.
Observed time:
10,24
